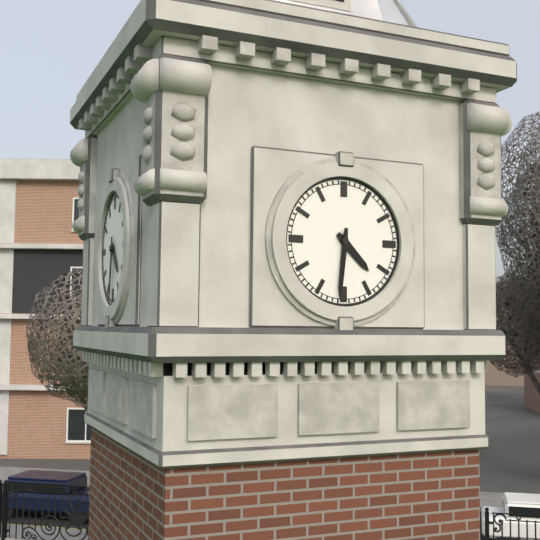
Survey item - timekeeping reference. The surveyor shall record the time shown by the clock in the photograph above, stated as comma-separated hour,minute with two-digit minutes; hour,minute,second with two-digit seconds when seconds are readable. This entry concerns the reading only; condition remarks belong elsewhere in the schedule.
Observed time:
4,31
